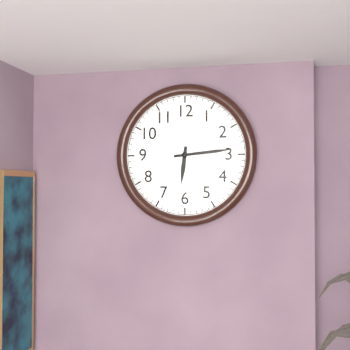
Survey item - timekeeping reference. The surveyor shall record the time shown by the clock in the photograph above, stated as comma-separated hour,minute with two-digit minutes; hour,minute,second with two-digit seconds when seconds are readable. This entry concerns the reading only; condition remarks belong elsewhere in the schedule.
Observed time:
6,14
